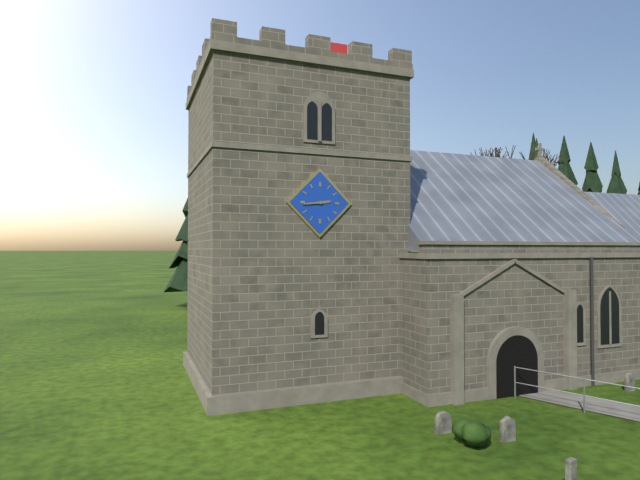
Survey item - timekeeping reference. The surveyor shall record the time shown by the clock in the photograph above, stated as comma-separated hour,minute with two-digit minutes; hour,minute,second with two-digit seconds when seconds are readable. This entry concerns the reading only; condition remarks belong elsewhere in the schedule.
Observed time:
2,44
